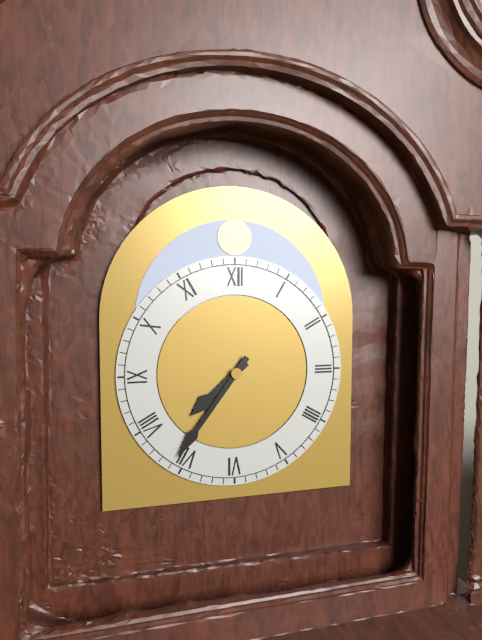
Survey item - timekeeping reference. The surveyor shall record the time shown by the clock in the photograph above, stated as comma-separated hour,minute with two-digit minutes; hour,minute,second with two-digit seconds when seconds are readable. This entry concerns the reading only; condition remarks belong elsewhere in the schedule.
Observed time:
7,36
